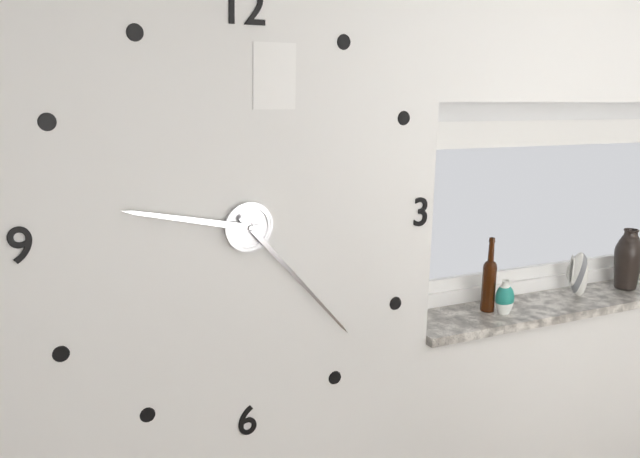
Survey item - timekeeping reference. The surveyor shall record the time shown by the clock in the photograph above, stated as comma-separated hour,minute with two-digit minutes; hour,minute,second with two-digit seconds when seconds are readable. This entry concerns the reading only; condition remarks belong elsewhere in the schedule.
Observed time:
9,23
